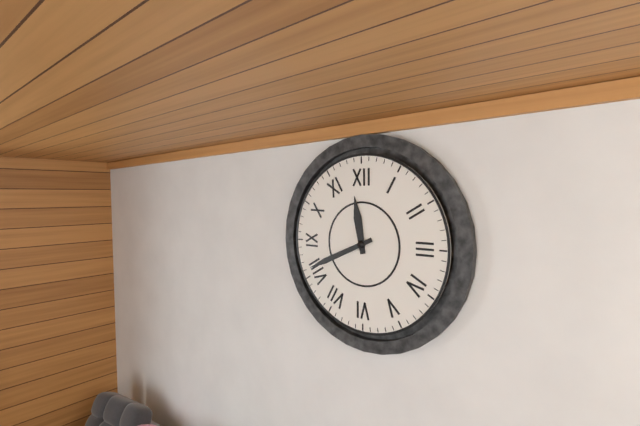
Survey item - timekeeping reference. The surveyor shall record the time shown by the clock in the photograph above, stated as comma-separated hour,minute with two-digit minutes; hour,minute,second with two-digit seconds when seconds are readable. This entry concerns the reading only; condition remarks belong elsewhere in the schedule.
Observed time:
11,41
